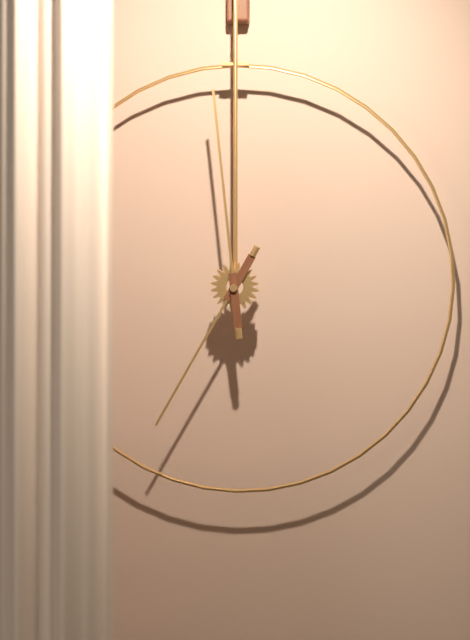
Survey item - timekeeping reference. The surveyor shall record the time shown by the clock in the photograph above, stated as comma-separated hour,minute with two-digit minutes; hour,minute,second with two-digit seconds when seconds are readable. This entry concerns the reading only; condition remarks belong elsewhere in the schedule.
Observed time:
6,59
